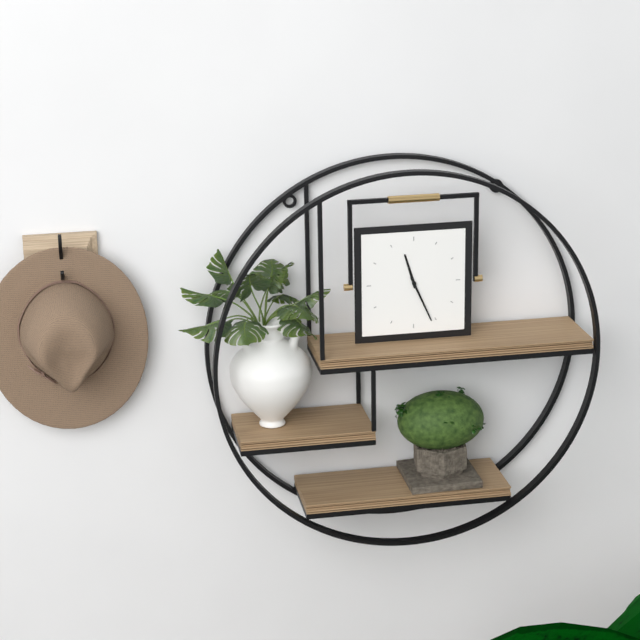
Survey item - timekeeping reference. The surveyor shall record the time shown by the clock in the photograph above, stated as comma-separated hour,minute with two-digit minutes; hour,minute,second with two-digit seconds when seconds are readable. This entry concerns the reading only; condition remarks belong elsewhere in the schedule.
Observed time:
11,26
